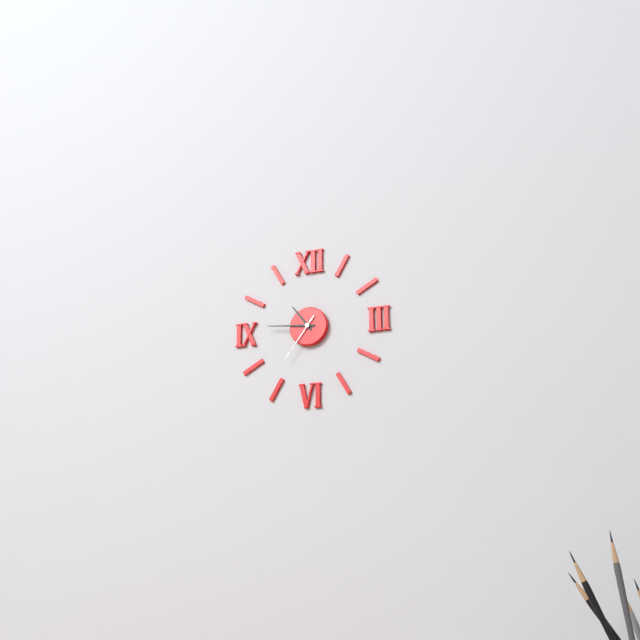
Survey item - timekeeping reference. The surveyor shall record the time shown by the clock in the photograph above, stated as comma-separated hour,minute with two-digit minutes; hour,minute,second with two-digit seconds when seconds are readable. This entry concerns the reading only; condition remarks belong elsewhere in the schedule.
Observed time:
10,46,36
